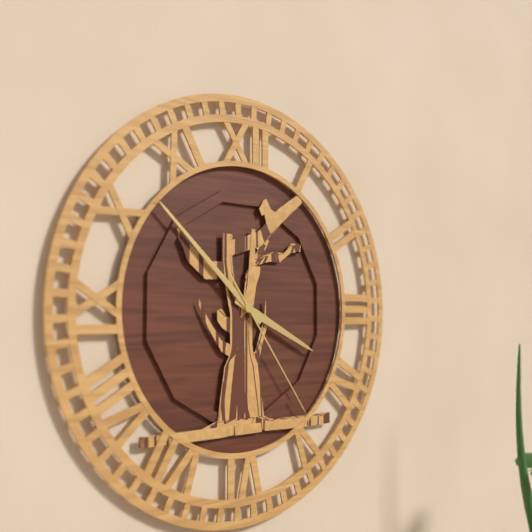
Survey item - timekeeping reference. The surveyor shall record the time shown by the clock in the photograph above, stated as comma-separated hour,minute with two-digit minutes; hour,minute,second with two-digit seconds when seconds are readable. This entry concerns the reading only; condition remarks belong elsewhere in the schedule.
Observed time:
3,52,24
